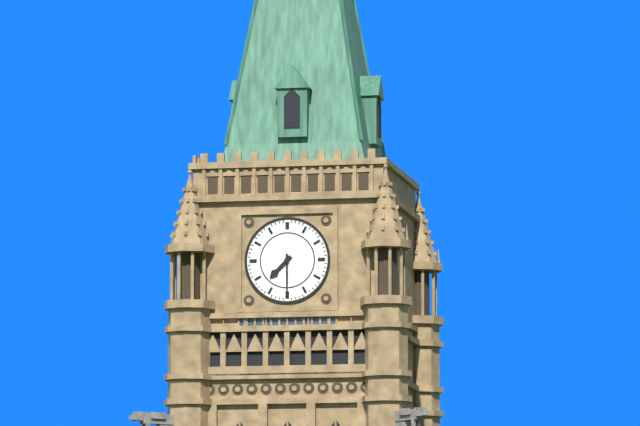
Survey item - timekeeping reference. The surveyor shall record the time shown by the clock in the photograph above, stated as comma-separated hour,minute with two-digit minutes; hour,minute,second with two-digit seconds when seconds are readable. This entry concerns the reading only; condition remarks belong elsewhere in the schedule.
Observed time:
7,30
